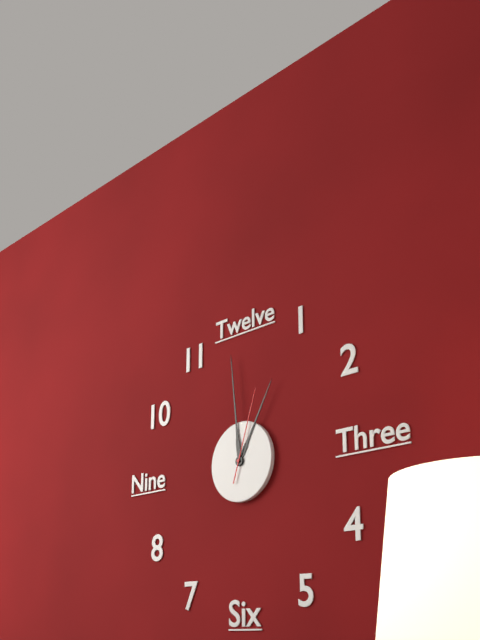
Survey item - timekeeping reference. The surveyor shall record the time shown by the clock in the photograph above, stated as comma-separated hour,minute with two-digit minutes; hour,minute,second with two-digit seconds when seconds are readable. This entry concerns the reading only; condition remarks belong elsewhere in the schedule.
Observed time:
12,59,03
